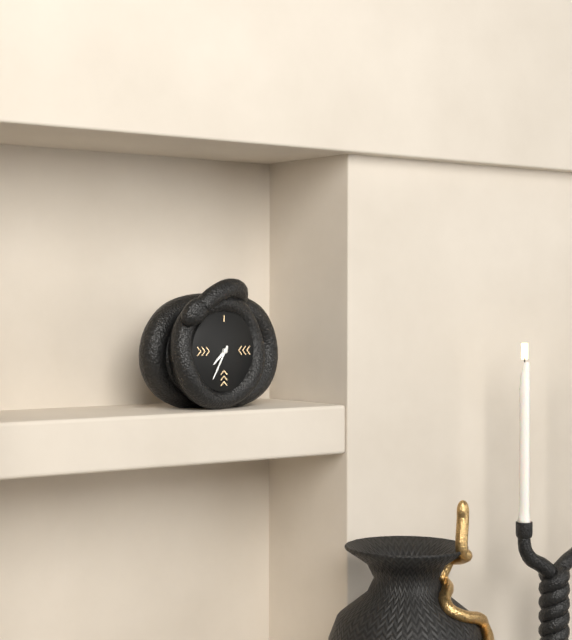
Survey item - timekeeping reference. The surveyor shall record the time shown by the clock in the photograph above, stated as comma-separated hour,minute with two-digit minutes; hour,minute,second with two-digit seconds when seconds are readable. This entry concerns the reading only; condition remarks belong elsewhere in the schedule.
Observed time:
7,35
